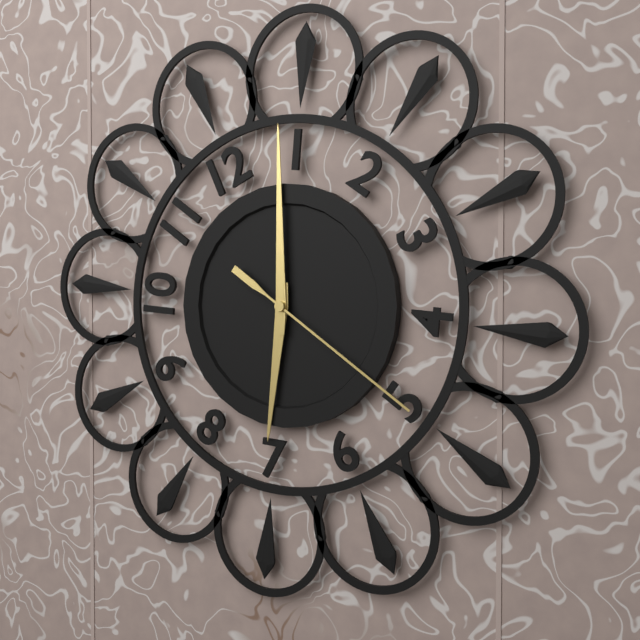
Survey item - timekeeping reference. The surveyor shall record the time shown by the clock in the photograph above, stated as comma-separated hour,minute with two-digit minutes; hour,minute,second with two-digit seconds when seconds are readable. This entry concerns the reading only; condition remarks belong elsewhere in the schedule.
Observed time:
7,04,25
